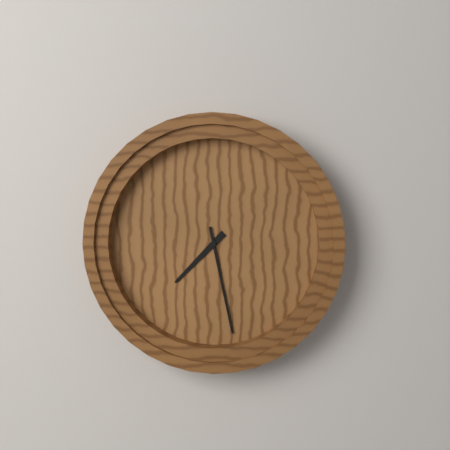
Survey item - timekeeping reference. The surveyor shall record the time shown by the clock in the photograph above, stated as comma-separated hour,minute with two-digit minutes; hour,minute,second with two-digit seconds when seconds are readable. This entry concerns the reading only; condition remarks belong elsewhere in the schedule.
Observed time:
7,28
